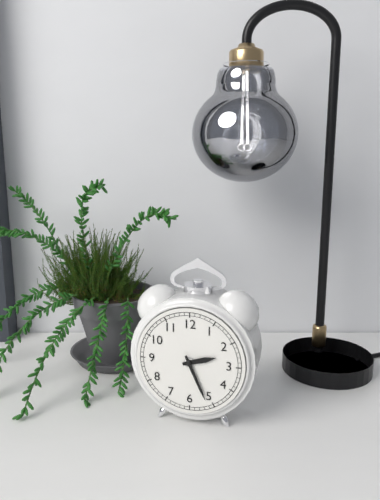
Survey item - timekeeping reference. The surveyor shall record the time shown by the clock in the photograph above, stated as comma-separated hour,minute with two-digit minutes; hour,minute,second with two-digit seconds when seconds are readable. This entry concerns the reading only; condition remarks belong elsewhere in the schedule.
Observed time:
2,26
